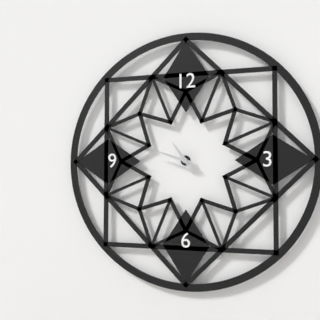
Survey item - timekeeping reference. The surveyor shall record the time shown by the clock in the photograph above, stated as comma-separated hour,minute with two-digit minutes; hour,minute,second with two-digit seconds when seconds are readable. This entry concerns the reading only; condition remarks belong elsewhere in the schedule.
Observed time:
10,48
